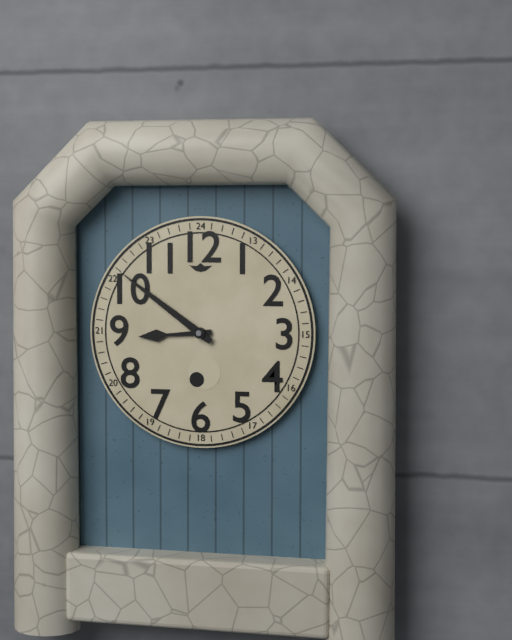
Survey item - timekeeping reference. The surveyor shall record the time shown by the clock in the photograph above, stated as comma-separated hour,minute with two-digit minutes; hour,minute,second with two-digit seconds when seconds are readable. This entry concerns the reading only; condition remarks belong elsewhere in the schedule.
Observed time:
8,51
